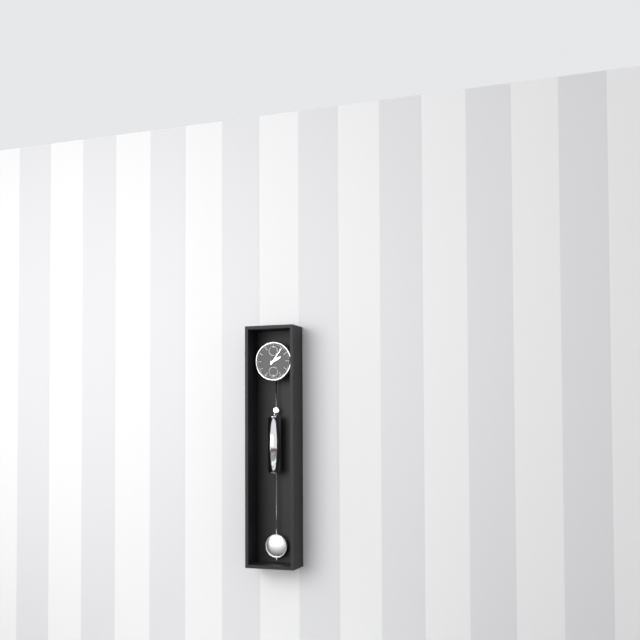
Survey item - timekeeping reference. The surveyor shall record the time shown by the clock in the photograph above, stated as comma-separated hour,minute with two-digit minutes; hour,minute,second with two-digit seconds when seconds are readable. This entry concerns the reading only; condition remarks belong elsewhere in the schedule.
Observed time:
2,06
